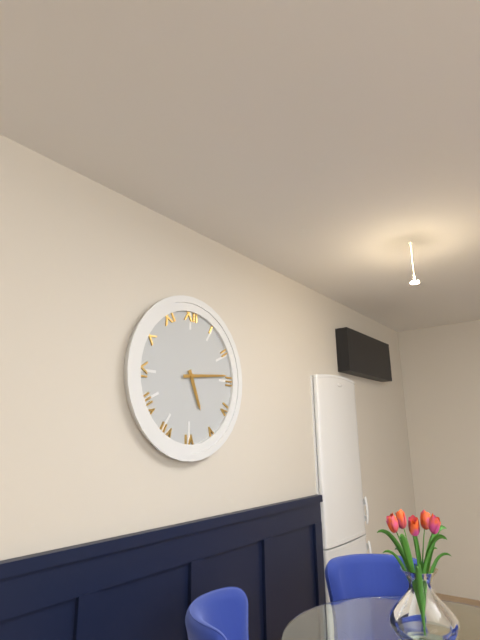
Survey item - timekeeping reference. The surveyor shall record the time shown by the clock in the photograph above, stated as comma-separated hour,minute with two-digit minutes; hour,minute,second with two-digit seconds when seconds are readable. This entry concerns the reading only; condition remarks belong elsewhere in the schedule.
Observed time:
5,14
